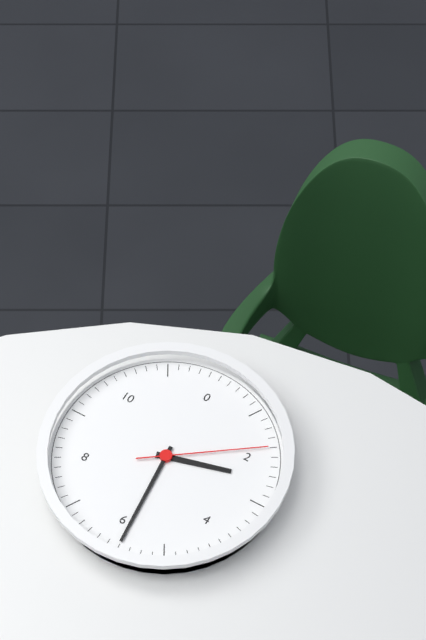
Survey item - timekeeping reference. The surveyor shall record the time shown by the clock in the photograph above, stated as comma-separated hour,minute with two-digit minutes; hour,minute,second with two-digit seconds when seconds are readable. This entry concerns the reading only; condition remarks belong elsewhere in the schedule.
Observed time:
2,29,09
